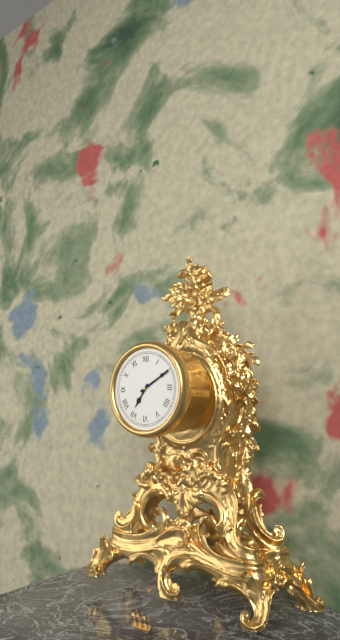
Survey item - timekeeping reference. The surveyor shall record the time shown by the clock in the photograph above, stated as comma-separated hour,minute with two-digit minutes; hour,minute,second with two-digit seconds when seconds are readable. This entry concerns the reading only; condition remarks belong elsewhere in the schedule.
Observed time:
7,10
